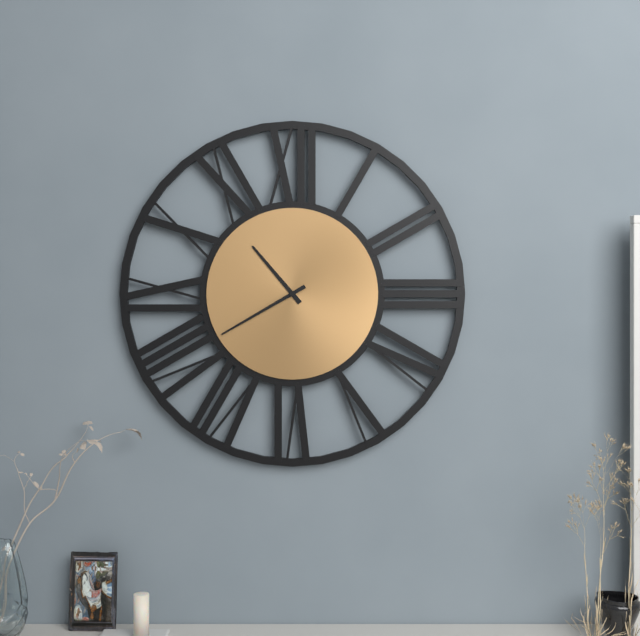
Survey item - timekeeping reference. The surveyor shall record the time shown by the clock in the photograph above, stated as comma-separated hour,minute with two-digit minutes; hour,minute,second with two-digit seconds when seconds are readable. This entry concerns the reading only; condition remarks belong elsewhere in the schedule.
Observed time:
10,40
